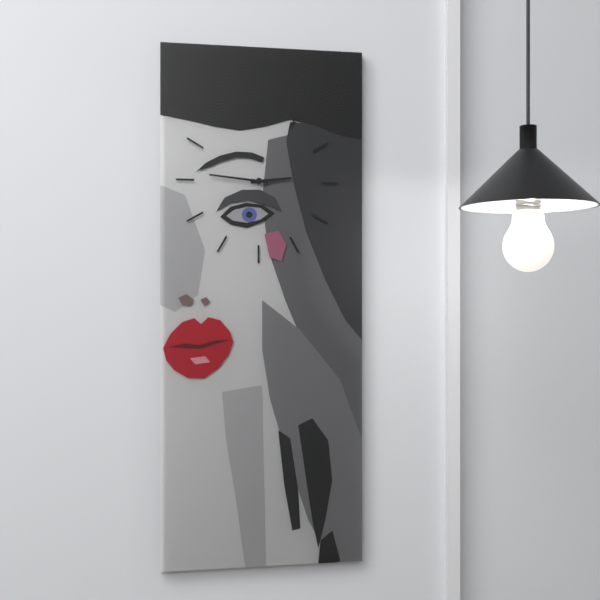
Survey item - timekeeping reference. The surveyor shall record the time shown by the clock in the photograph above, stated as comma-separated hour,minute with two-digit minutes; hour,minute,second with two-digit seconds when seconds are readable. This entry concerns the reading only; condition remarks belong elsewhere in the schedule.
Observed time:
2,46
